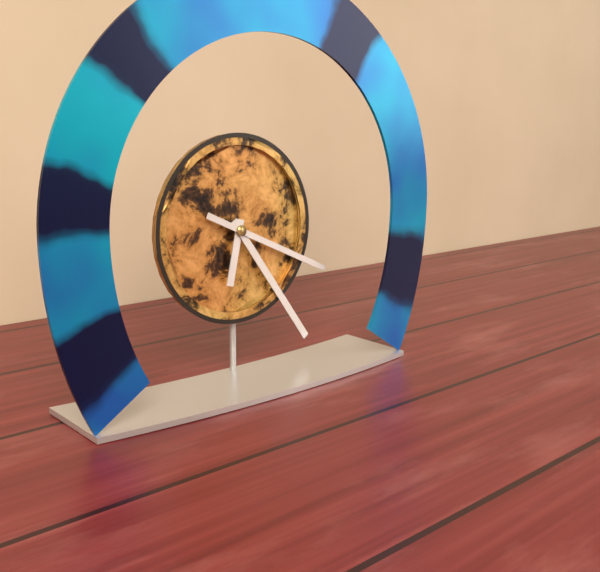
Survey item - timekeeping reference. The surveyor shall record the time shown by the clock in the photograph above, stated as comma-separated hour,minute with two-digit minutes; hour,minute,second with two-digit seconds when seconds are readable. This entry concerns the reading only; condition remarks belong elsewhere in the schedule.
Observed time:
6,24,19
